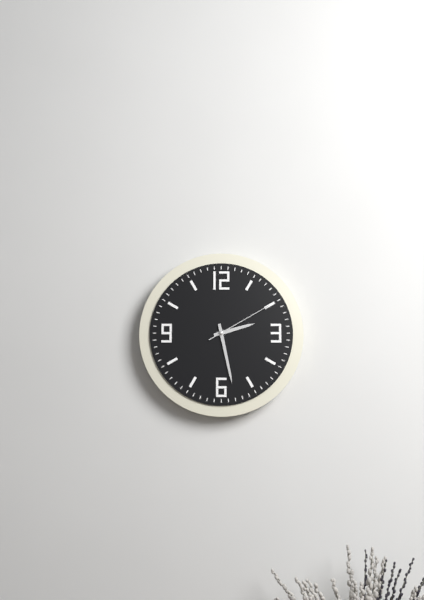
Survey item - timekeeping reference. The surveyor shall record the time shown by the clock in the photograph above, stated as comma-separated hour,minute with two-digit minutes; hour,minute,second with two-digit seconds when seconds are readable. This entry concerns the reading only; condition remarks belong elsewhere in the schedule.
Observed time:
2,28,10
